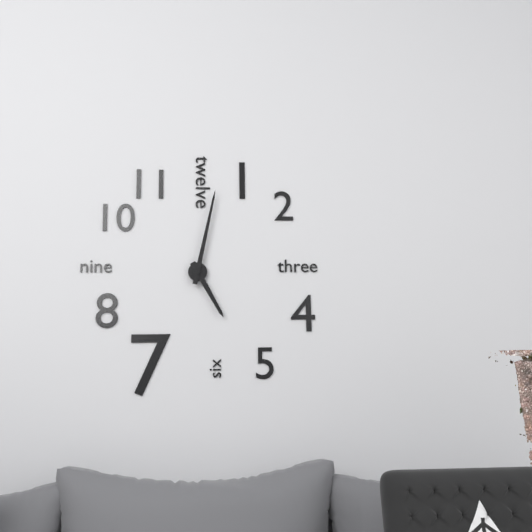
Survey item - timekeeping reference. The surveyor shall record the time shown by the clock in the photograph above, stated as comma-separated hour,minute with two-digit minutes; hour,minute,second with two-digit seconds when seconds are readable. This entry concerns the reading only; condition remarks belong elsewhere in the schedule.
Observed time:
5,02
